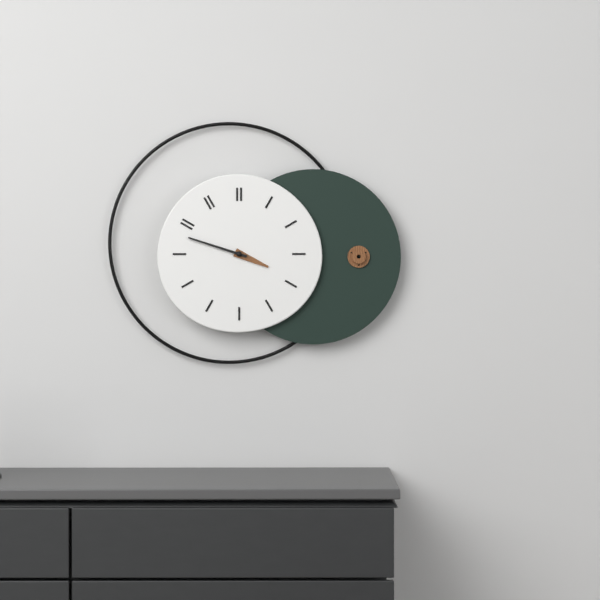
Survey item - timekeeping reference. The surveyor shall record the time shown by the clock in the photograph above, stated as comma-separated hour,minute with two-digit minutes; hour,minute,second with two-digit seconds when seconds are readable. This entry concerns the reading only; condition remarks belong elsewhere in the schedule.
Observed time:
3,48
